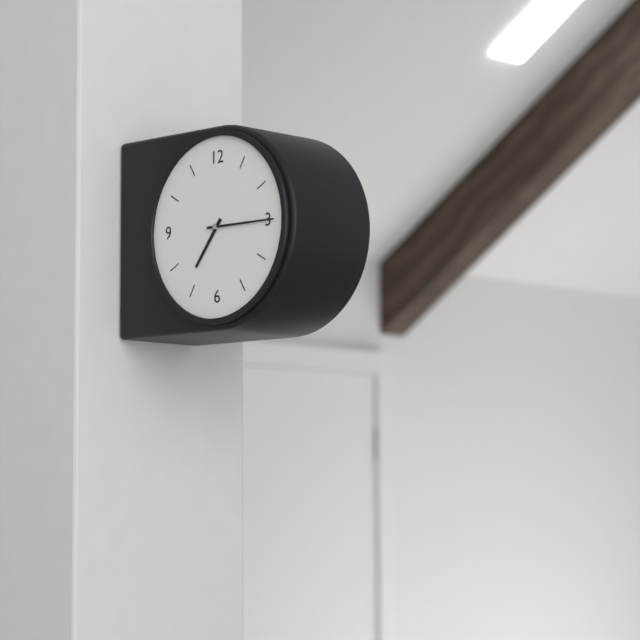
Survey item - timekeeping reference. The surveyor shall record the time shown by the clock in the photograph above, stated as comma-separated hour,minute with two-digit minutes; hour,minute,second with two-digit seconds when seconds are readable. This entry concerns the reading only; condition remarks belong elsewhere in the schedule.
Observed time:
7,15
